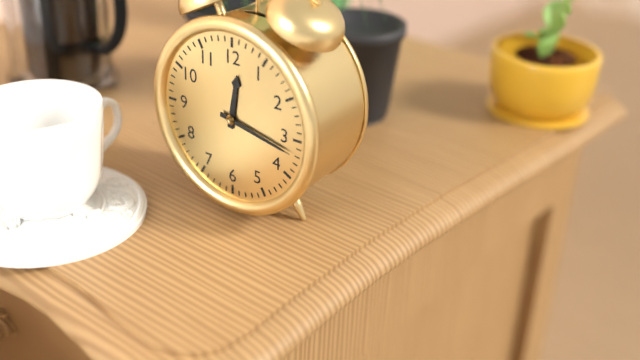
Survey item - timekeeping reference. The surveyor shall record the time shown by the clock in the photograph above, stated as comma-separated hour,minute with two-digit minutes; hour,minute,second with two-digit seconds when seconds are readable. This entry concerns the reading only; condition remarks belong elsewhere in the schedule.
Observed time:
12,17
